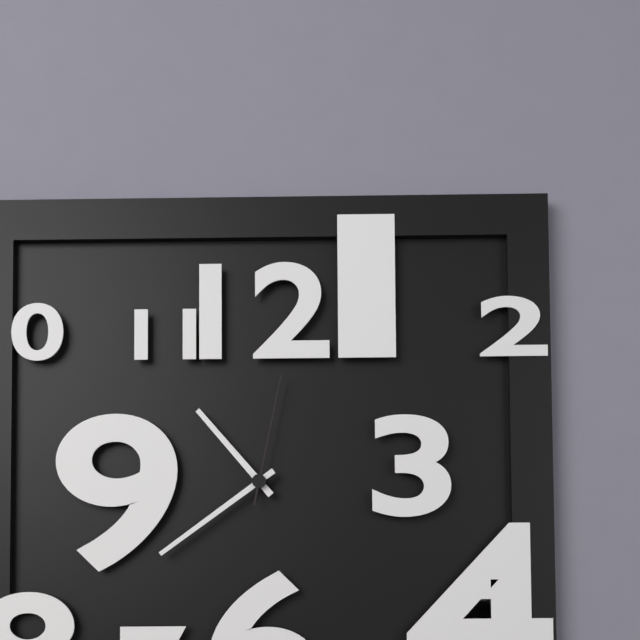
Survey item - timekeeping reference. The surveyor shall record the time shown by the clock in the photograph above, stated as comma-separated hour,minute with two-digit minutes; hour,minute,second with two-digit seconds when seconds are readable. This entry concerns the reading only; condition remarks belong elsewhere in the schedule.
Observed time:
10,39,02
